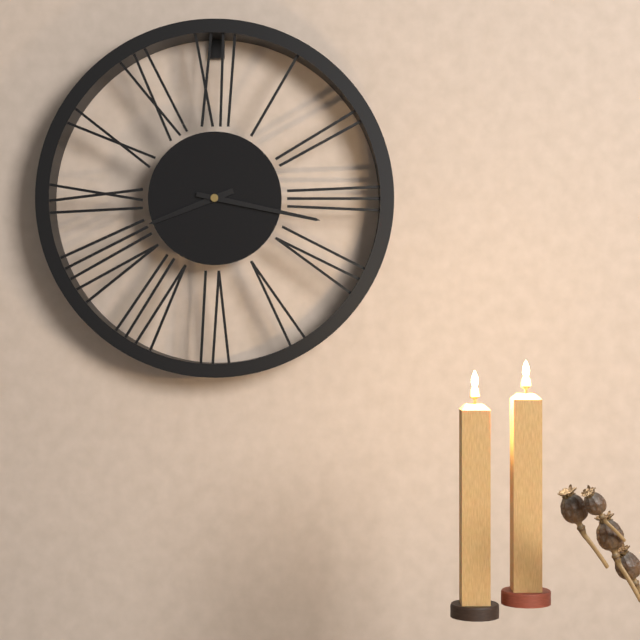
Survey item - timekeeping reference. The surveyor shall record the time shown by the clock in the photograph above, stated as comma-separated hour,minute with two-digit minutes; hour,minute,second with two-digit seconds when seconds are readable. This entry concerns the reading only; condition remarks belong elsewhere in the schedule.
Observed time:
8,17
